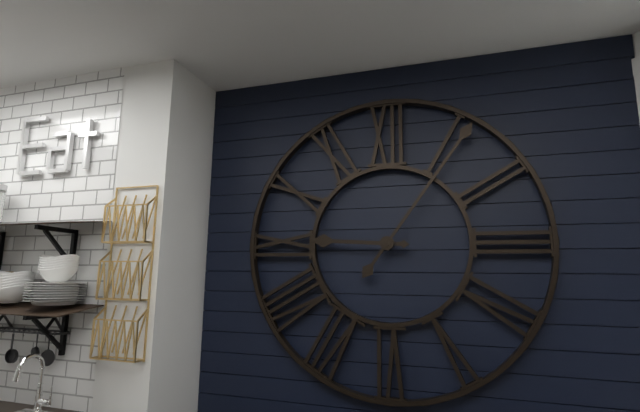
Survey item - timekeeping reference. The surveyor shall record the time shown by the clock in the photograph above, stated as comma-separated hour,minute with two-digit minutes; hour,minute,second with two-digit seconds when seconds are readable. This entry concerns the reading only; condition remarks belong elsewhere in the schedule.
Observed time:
9,06
